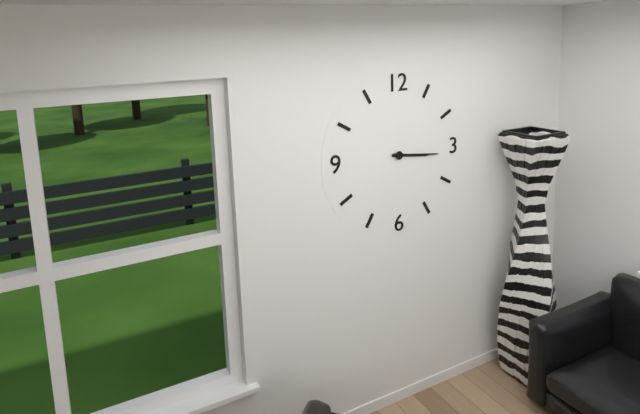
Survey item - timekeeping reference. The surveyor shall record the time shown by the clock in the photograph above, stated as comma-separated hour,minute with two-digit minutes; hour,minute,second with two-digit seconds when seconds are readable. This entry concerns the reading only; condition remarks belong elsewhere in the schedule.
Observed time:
3,16
